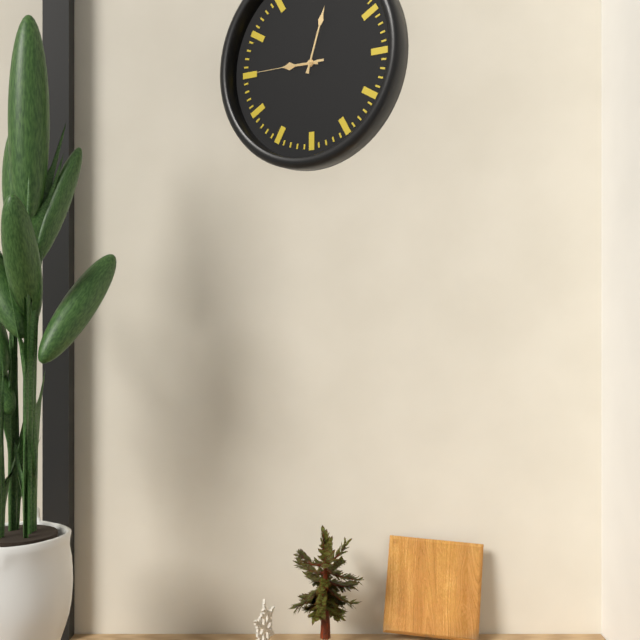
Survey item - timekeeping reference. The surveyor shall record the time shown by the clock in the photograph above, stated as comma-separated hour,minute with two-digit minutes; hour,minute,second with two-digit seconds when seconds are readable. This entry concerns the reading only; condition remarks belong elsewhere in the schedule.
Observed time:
9,03,45
